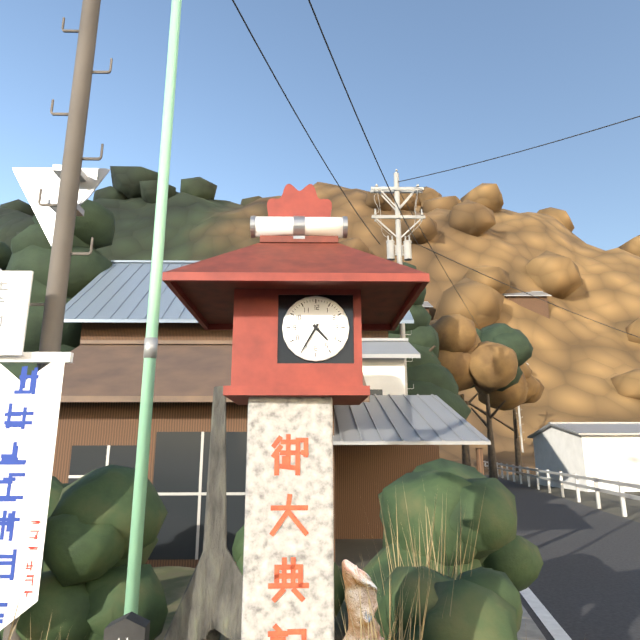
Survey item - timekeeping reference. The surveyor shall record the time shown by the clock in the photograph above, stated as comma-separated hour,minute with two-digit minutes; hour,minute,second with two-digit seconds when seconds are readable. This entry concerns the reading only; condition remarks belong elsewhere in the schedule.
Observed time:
4,35
